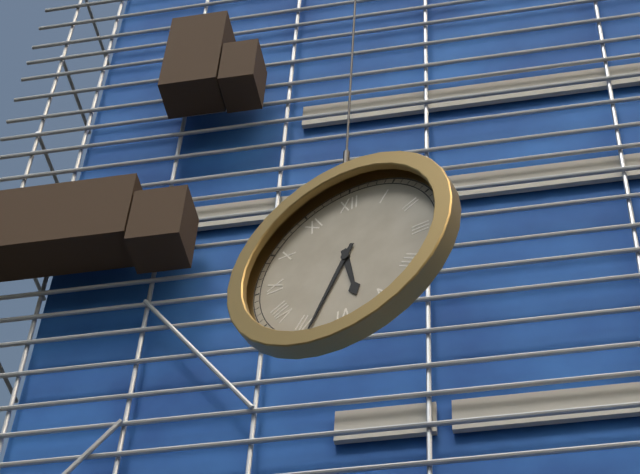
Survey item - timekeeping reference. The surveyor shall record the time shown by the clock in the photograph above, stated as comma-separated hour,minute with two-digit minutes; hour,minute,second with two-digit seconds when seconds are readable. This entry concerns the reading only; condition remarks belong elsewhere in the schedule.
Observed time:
5,34
